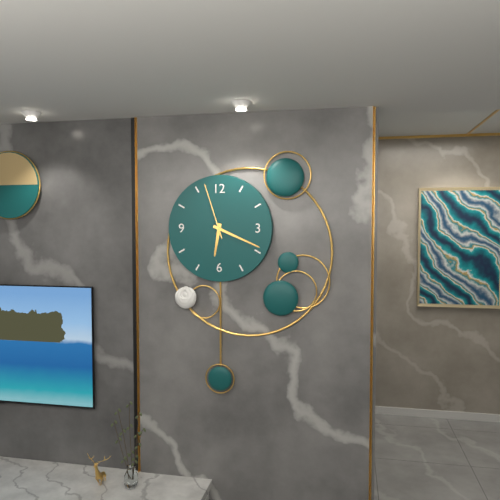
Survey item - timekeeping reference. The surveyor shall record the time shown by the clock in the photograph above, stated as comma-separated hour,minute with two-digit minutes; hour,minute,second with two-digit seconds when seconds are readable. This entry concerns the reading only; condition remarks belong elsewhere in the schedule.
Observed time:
6,19,57
